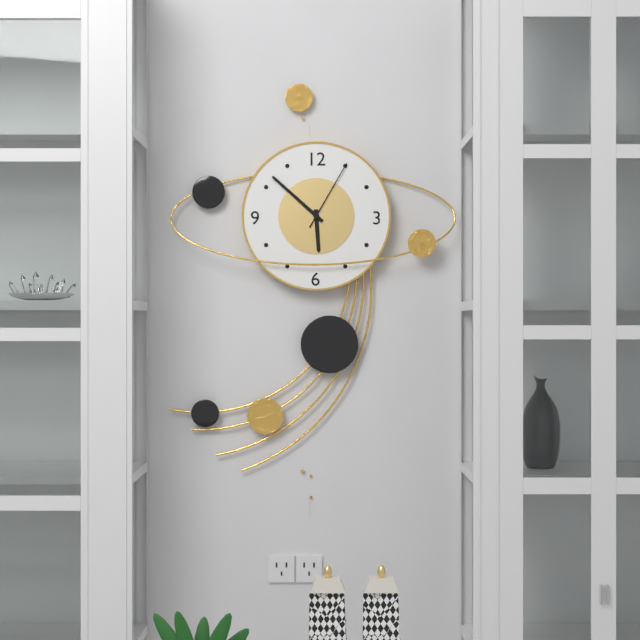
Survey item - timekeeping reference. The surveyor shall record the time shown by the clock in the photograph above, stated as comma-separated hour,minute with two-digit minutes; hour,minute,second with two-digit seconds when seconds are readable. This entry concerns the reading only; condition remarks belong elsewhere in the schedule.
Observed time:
5,52,05
